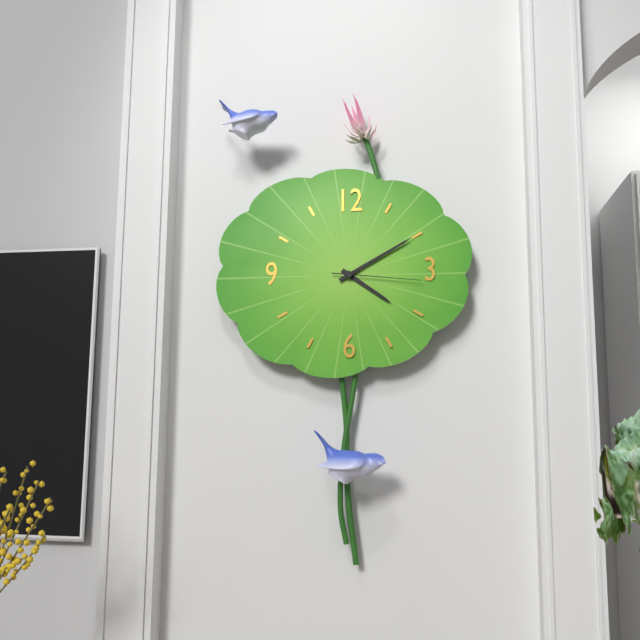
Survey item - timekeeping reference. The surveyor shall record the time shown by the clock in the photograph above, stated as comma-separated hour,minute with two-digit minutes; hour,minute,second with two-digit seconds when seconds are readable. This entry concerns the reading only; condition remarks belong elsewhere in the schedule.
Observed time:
4,10,16
